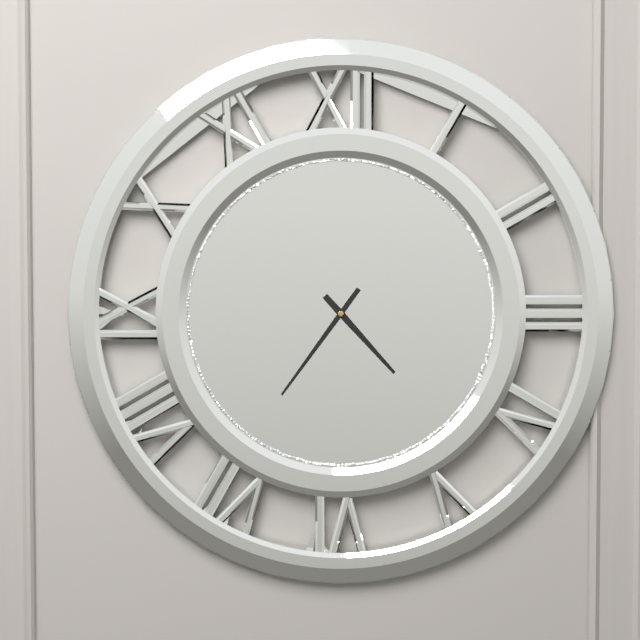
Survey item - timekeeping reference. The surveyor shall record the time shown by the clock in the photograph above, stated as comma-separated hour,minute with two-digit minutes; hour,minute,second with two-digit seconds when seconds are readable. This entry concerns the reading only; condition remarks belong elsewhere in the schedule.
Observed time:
4,36
